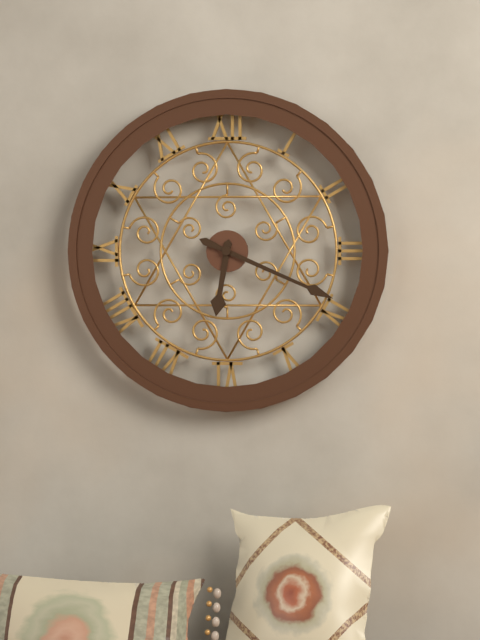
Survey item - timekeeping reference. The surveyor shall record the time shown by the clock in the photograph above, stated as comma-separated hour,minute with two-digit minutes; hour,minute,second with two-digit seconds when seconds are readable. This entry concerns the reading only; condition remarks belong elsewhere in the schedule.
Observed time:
6,19
